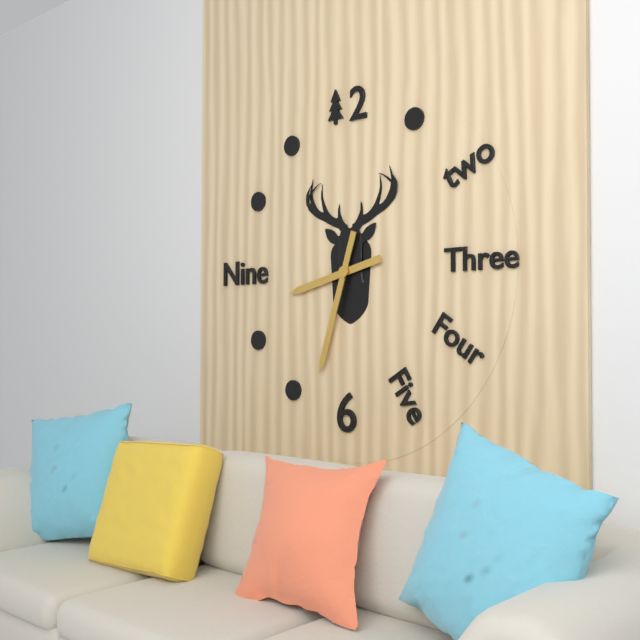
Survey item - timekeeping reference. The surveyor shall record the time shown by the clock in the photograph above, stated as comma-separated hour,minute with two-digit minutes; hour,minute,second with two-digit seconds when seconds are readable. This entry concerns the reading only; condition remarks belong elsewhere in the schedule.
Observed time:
8,33
